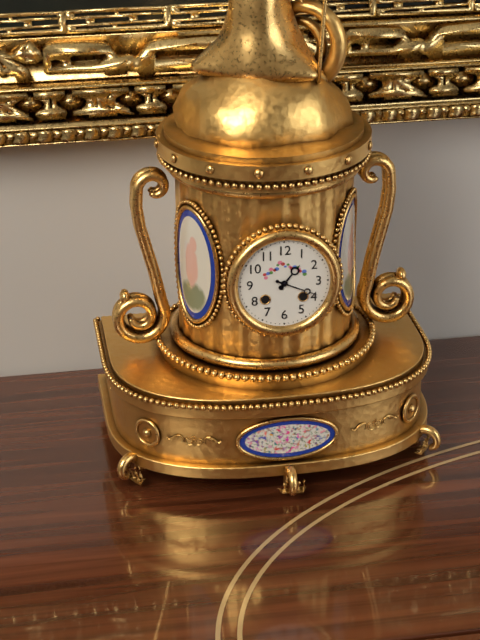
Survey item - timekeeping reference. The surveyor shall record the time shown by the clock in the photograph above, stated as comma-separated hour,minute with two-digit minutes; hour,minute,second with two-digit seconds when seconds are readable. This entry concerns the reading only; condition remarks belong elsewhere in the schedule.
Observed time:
1,19
